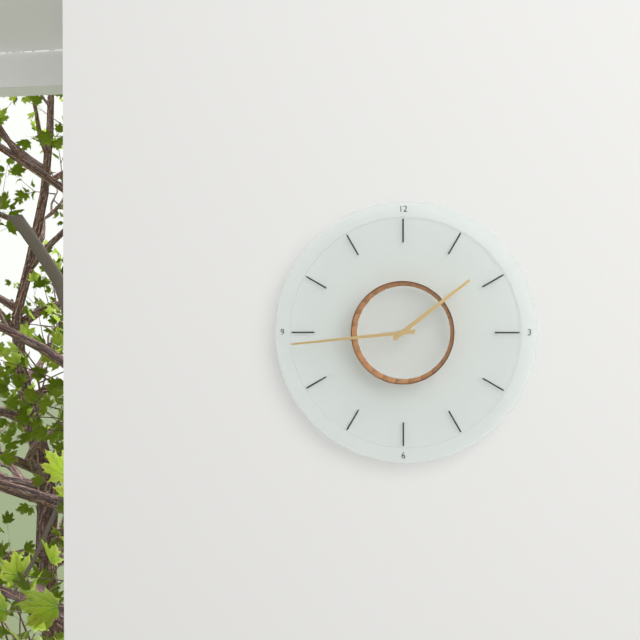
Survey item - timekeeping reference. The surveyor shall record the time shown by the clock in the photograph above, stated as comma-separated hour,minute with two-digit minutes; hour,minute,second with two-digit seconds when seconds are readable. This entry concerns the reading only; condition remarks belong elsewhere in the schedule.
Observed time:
1,44
